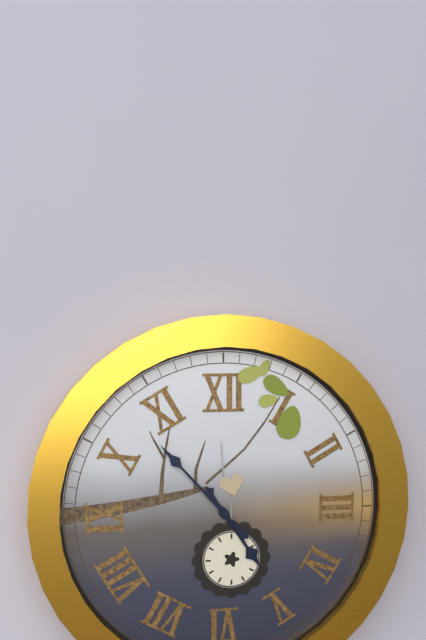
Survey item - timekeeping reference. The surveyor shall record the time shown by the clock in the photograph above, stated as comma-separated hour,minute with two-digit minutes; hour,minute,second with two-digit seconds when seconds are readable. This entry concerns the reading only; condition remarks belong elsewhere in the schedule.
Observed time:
4,53
